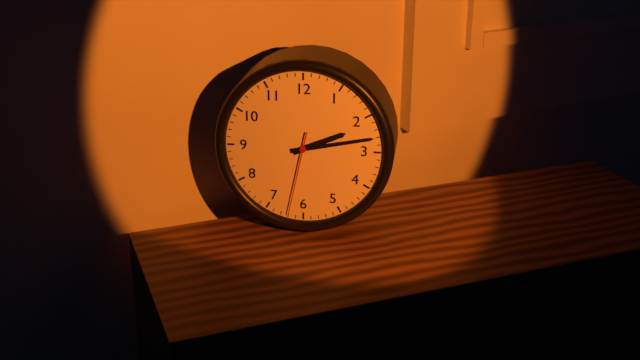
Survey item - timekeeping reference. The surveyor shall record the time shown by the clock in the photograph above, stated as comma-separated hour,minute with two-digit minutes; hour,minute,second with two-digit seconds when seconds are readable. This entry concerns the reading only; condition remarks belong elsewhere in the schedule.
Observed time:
2,13,32
